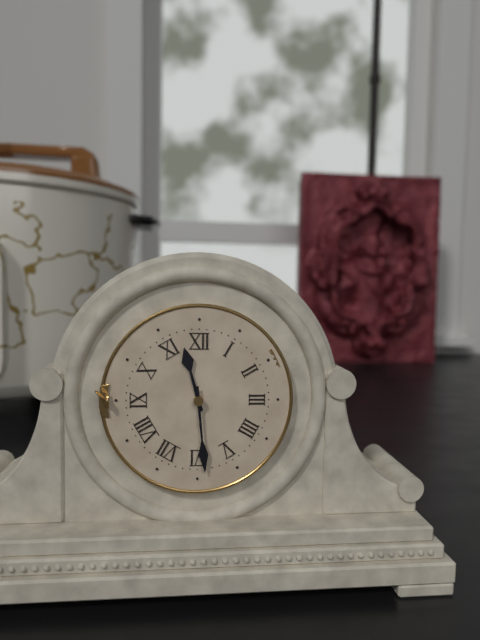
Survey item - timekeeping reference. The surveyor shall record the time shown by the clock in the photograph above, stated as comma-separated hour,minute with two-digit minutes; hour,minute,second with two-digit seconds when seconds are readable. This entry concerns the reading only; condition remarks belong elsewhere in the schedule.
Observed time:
11,29
